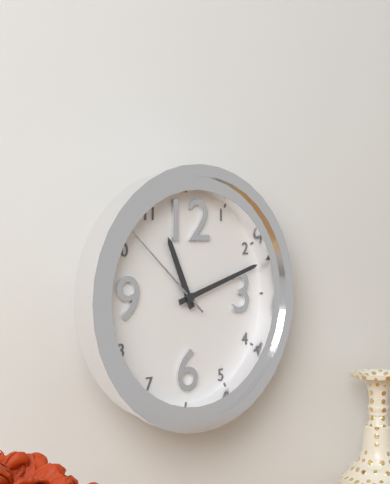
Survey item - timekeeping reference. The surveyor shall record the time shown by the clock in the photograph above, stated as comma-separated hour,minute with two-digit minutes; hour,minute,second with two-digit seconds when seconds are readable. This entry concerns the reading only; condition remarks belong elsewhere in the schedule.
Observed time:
11,12,52
